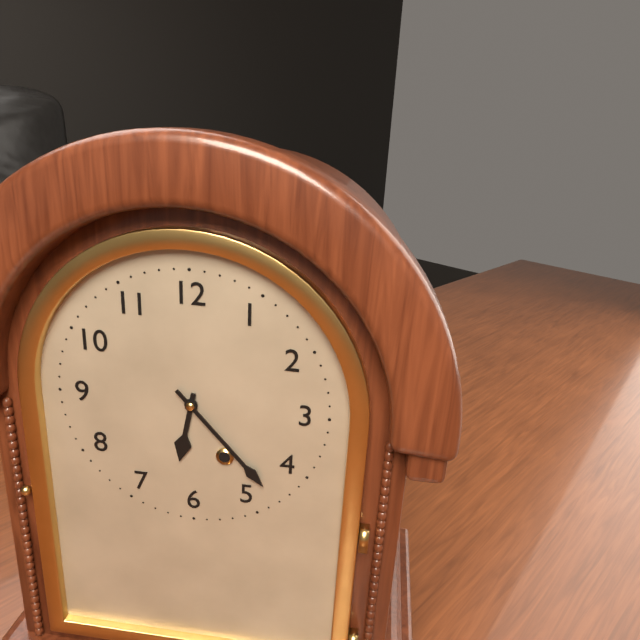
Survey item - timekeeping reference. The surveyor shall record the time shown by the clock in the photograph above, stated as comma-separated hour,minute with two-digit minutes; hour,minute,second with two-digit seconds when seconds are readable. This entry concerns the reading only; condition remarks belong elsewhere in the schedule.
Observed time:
6,23
